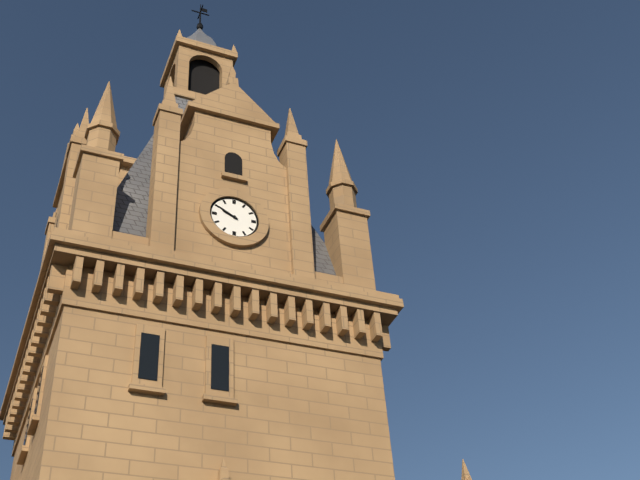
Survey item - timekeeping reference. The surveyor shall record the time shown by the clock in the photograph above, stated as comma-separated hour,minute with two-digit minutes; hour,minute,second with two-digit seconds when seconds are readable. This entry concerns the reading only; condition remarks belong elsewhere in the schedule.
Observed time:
9,50
